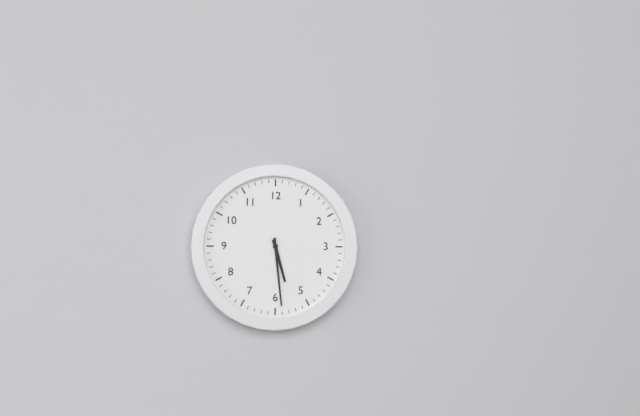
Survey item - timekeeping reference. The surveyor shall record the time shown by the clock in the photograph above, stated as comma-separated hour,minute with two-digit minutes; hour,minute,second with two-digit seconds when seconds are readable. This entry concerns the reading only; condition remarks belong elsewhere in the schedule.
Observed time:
5,29
